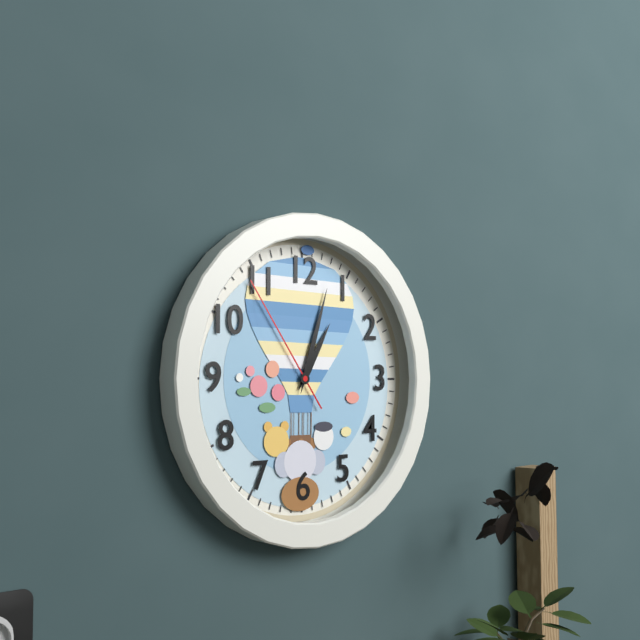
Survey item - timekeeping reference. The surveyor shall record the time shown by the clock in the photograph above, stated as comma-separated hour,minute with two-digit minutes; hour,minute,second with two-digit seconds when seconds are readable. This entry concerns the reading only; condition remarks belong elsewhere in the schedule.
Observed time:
1,03,54
